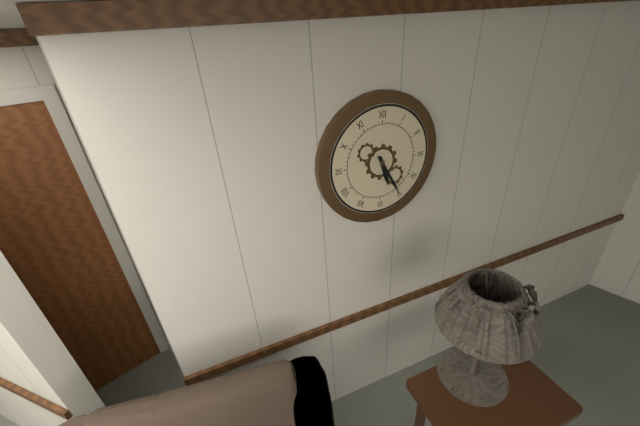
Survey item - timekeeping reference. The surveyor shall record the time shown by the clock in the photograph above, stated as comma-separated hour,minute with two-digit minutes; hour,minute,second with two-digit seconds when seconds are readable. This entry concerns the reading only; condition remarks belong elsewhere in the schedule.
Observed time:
5,25
